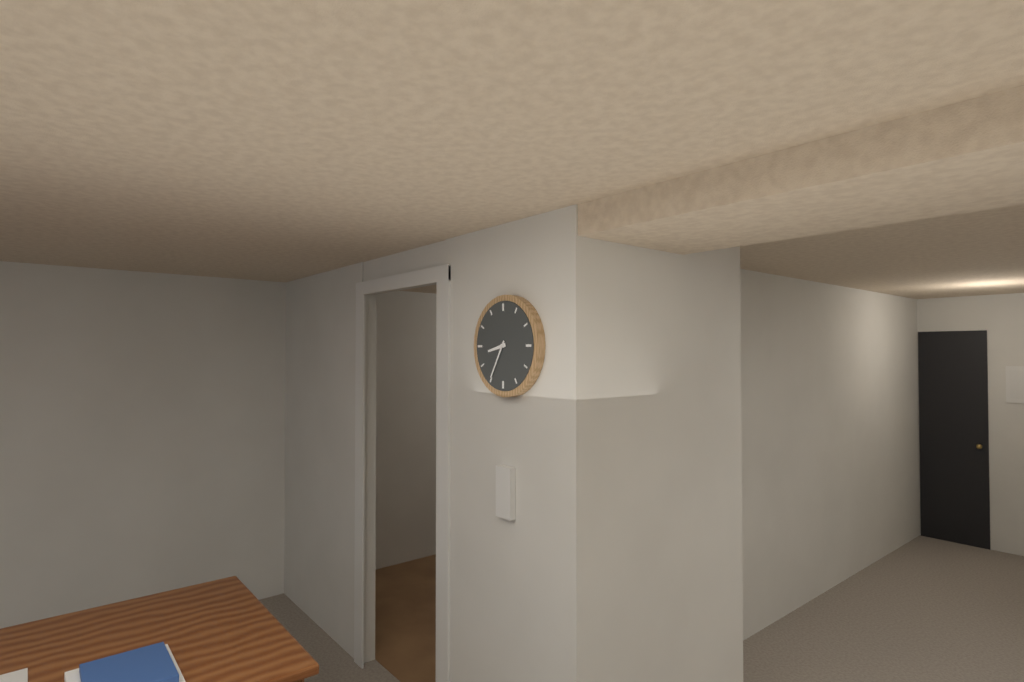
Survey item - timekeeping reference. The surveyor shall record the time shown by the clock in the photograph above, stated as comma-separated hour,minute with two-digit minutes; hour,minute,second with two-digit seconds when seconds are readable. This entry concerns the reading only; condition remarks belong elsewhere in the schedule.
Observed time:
8,35
